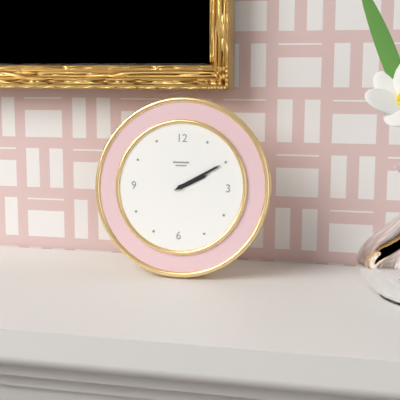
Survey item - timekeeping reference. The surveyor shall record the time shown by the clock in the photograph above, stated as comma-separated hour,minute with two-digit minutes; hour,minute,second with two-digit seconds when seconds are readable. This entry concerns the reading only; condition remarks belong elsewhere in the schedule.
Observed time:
2,10
